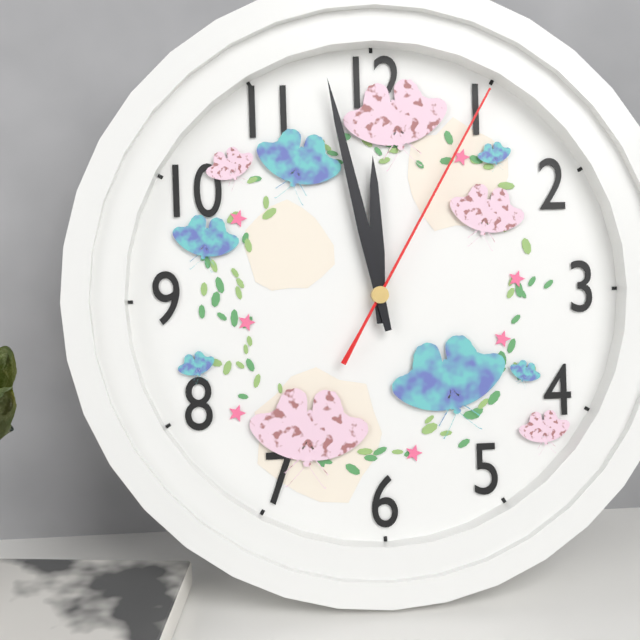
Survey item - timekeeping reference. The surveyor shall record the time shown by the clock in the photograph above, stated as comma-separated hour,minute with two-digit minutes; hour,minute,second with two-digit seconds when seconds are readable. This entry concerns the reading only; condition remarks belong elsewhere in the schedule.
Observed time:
11,58,05
